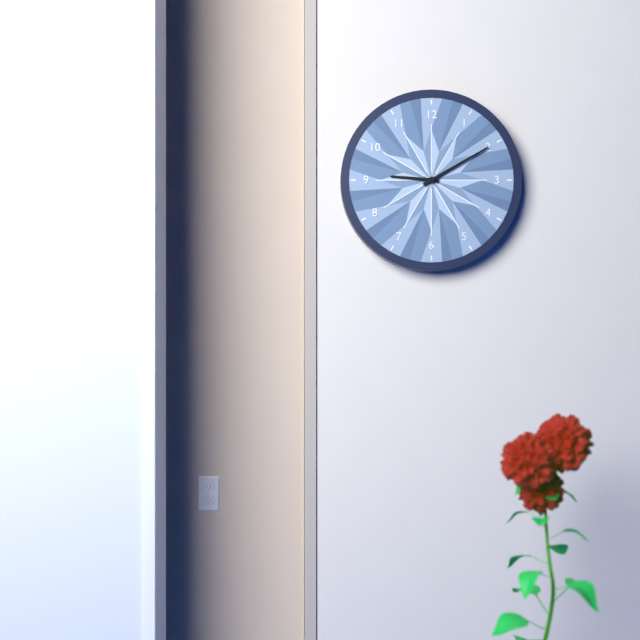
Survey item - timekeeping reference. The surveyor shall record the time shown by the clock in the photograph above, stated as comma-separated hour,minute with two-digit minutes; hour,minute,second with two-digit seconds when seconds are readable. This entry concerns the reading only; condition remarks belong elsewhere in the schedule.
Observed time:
9,10
